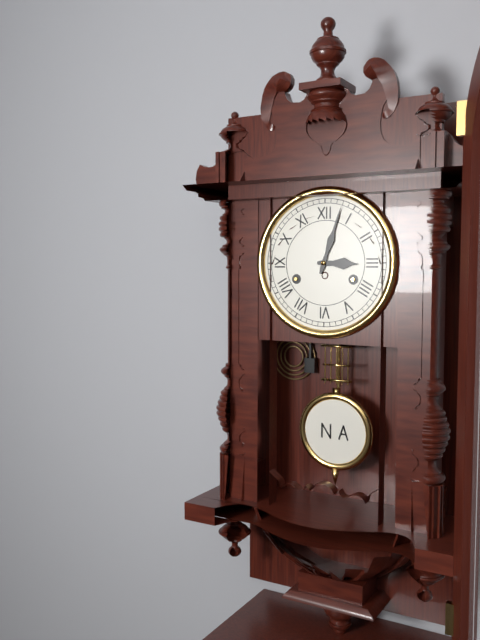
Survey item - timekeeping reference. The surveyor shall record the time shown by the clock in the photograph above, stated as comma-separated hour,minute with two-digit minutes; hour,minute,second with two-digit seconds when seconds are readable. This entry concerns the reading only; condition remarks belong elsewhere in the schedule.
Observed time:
3,03
